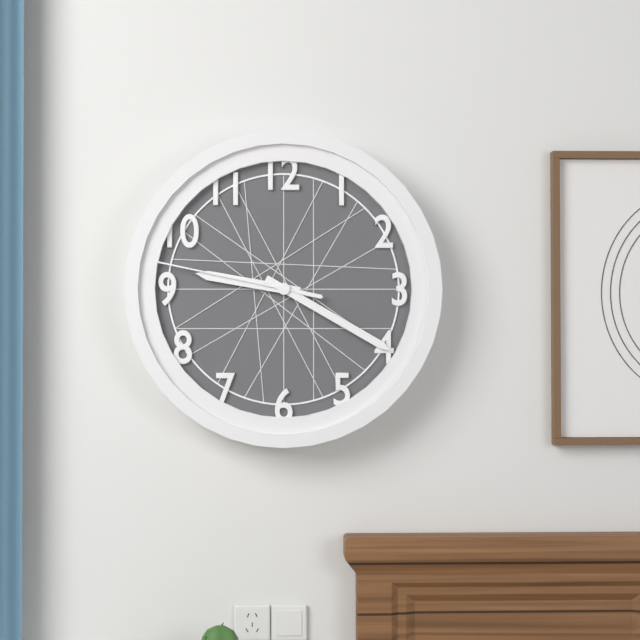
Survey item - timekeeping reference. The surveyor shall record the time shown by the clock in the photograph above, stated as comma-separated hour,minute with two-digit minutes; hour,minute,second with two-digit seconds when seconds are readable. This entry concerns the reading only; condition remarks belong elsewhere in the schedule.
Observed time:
9,20,47
